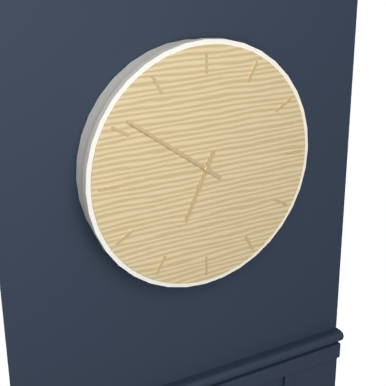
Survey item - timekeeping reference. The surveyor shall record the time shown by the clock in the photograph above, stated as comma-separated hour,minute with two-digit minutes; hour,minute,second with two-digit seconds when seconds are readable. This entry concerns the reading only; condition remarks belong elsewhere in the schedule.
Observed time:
6,51
